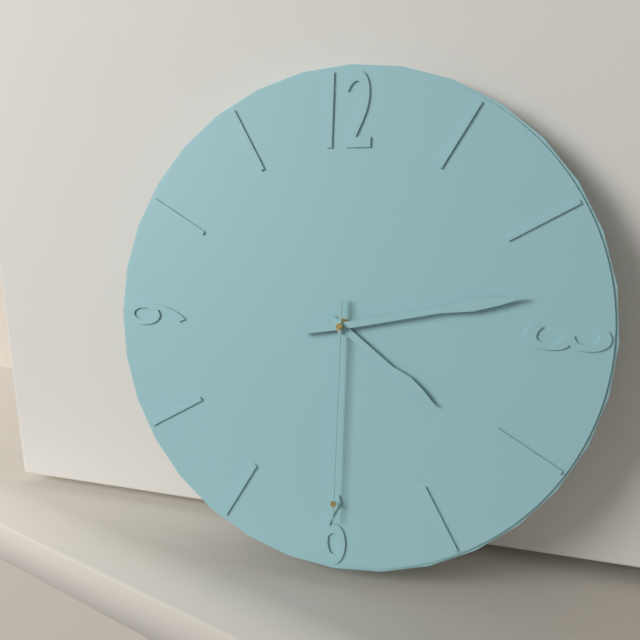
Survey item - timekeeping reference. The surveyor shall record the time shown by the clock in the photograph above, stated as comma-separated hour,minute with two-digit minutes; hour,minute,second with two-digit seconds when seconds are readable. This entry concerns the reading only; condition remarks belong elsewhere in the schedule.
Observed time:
4,13,30
